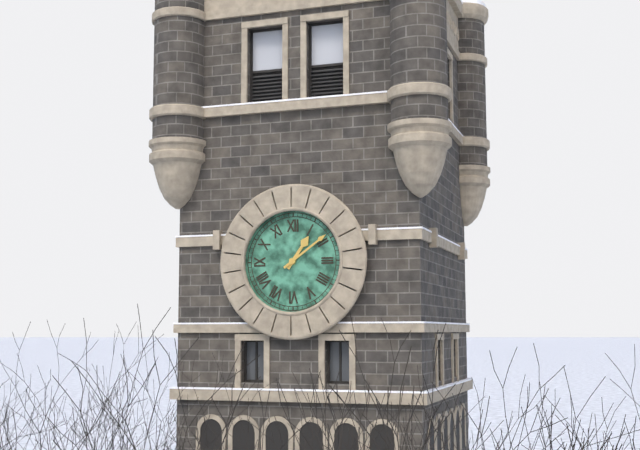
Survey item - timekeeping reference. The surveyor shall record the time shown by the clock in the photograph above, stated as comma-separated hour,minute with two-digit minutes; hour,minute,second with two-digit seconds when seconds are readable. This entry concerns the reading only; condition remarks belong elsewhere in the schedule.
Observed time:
1,09
